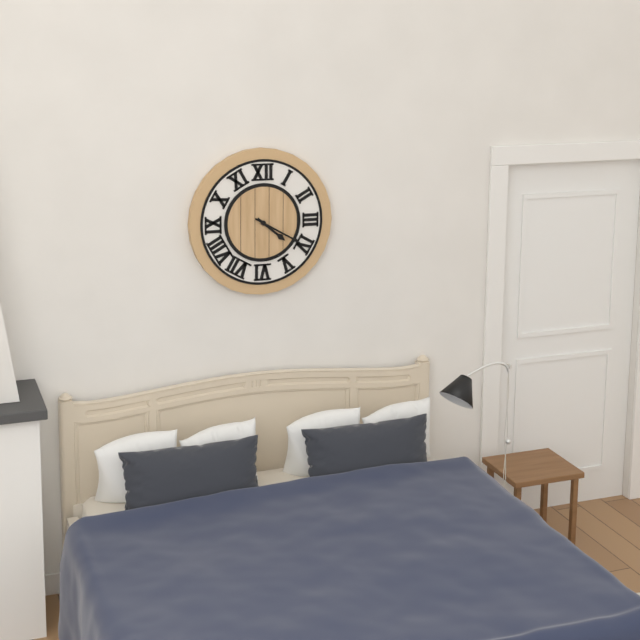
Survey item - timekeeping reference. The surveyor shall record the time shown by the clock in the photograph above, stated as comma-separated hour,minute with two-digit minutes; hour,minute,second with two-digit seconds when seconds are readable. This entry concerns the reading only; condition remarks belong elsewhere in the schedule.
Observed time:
4,20
